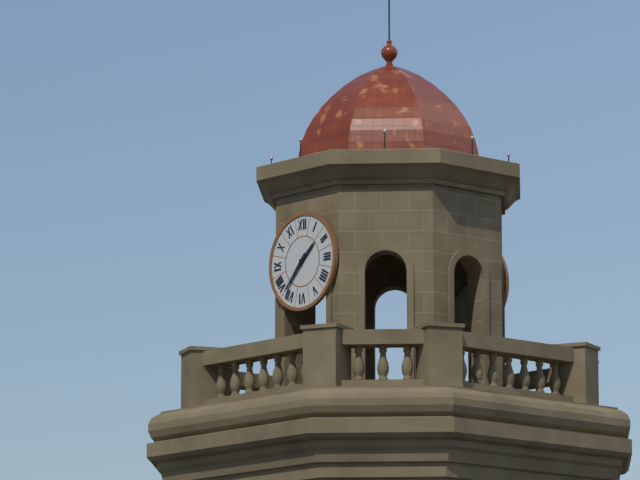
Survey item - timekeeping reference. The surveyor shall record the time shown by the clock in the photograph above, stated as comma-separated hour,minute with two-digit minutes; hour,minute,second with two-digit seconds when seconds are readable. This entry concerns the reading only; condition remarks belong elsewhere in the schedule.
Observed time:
1,37
